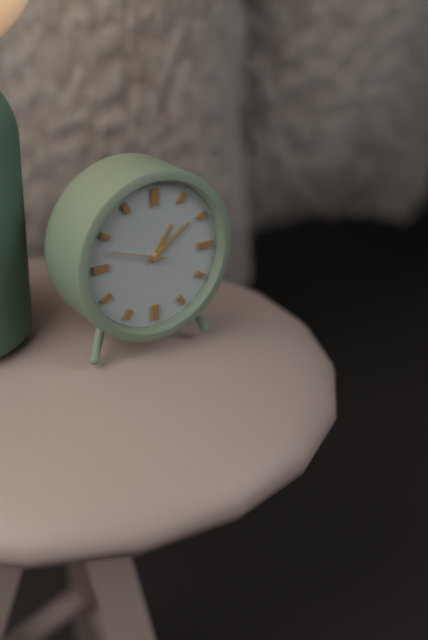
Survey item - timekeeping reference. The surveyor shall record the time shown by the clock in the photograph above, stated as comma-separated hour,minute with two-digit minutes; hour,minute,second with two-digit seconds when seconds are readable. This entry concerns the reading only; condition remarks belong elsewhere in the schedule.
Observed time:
1,09,48
